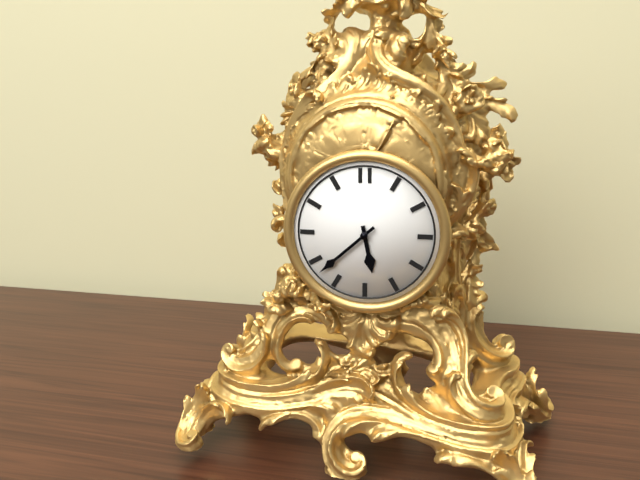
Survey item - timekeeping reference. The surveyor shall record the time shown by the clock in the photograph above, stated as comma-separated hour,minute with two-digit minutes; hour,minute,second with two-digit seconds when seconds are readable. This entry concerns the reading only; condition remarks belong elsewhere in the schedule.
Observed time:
5,38
